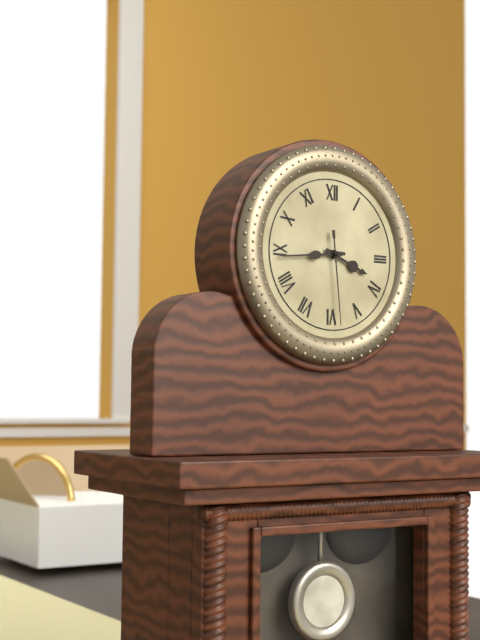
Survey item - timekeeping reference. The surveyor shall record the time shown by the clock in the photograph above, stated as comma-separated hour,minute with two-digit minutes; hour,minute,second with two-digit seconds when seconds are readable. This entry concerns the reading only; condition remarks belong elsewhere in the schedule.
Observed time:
3,44,29
